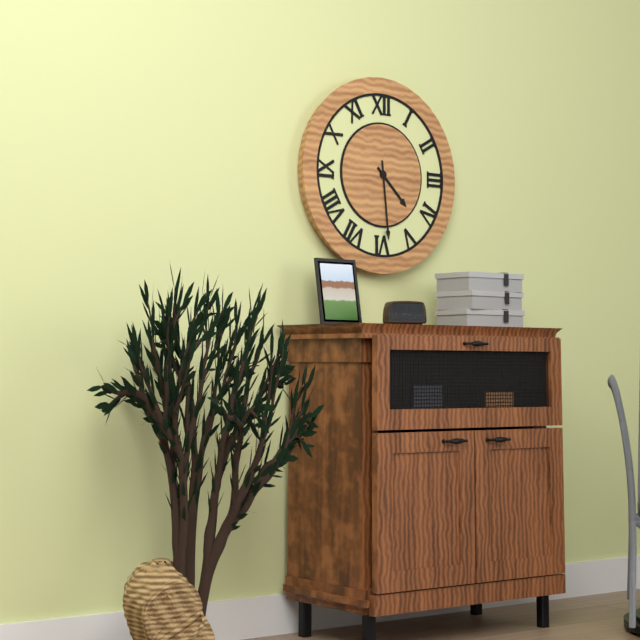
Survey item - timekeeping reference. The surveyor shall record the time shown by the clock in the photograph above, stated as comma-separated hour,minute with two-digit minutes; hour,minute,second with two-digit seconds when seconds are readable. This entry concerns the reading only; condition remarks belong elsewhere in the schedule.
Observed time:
4,29
